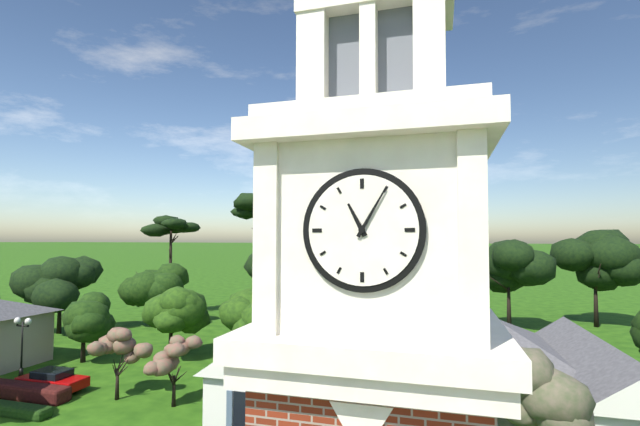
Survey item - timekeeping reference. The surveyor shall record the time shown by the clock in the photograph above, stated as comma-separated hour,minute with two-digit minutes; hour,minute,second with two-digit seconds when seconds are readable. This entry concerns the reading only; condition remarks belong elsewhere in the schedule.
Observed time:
11,05
